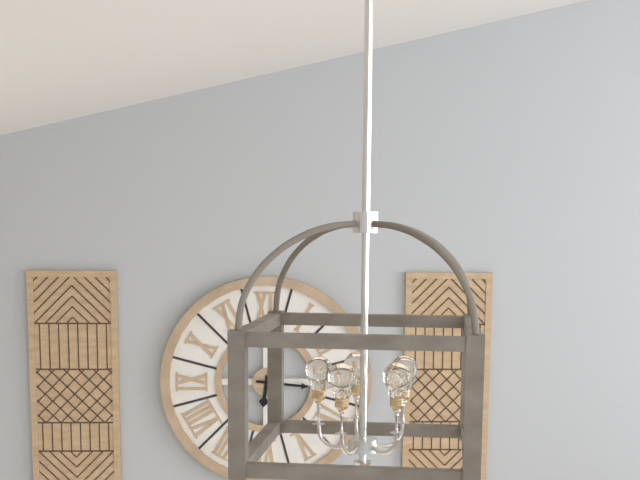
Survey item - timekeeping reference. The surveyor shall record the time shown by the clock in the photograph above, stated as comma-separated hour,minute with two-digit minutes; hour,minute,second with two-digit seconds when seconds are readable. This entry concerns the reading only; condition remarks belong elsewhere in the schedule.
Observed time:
6,16
